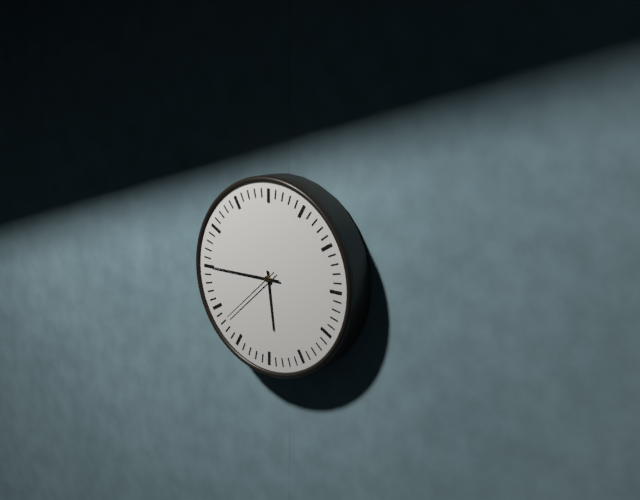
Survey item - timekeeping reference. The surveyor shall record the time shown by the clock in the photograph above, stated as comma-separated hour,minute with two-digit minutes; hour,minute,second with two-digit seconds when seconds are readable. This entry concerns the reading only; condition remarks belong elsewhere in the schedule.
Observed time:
5,45,38
